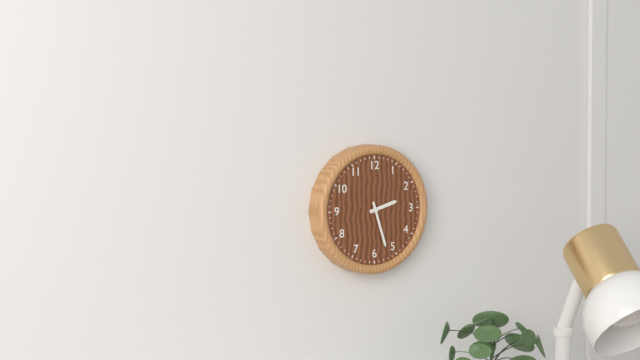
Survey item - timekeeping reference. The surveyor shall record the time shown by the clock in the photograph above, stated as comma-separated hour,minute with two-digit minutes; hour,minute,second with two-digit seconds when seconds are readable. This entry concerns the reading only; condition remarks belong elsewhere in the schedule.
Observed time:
2,27
